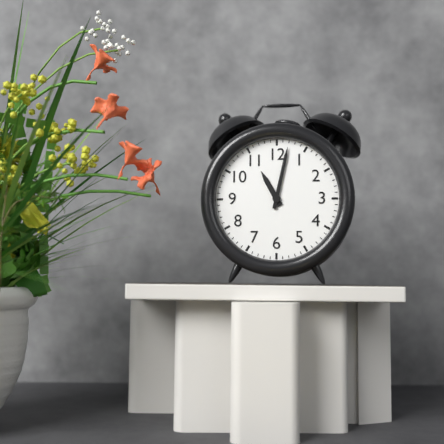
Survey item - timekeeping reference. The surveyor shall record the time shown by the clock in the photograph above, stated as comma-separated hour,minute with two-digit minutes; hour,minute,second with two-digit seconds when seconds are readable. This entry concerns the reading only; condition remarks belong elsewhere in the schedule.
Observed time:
11,02
